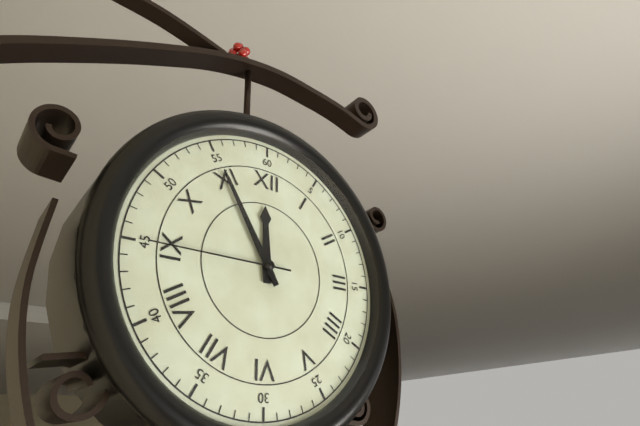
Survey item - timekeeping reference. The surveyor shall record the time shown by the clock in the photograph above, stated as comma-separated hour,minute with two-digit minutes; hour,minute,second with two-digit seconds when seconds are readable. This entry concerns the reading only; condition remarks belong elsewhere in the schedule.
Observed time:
11,55,45
